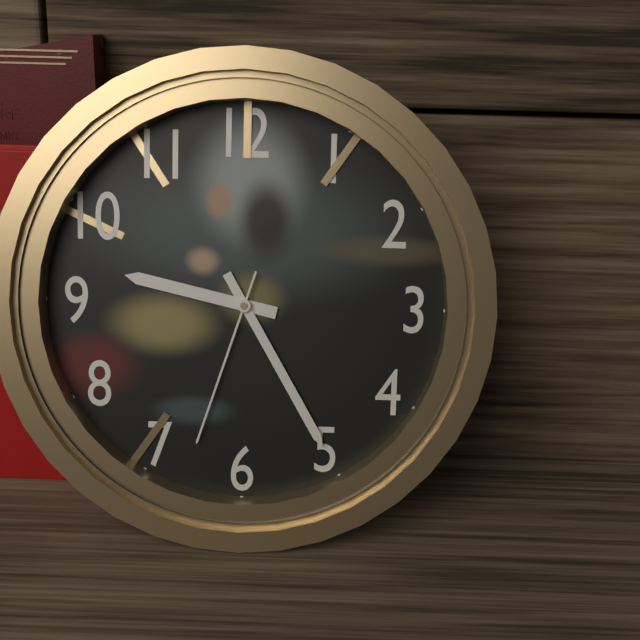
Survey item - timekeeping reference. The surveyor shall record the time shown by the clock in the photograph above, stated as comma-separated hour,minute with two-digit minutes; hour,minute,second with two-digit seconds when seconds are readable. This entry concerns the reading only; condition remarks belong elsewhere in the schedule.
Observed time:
9,25,33
